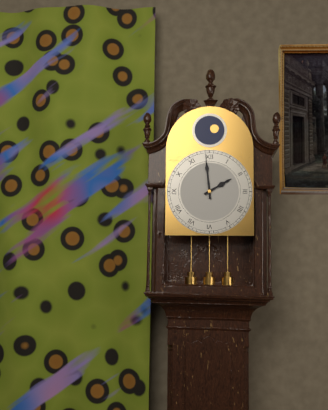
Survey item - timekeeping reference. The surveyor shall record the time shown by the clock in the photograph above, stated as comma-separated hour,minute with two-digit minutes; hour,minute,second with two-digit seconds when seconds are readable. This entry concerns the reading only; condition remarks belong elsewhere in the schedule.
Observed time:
1,59
